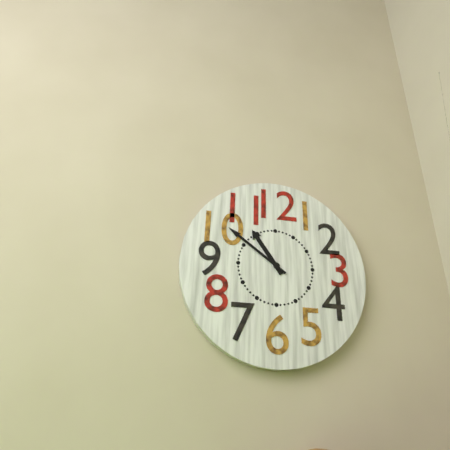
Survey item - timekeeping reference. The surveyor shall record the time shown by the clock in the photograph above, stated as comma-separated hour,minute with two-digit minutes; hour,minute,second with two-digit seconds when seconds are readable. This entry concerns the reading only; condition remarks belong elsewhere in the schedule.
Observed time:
10,51
